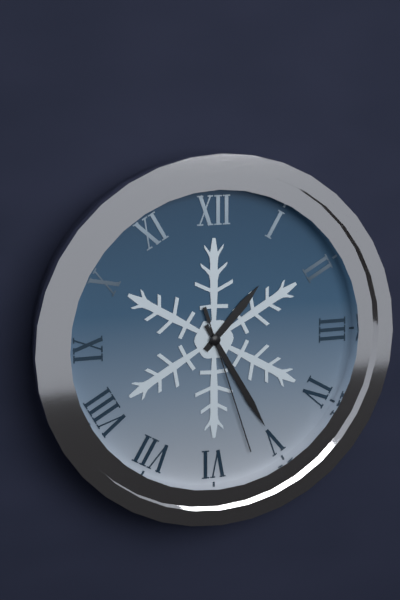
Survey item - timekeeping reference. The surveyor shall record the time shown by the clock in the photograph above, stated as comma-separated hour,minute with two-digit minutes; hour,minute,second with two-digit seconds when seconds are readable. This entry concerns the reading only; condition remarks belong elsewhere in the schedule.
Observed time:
1,25,27
